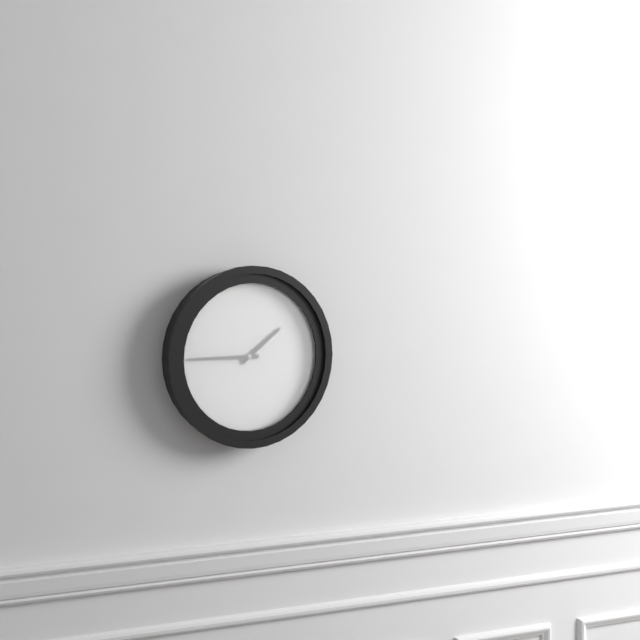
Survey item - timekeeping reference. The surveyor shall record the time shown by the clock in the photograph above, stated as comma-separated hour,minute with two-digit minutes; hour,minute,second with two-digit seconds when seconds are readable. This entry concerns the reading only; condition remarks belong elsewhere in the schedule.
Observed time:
1,45
